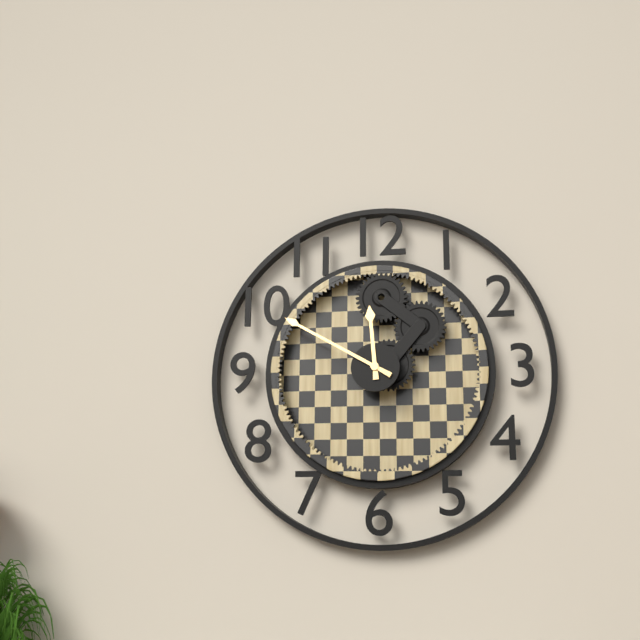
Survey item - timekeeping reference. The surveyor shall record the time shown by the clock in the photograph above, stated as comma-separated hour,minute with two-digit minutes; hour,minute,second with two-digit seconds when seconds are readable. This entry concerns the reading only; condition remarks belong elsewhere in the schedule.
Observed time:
11,50
